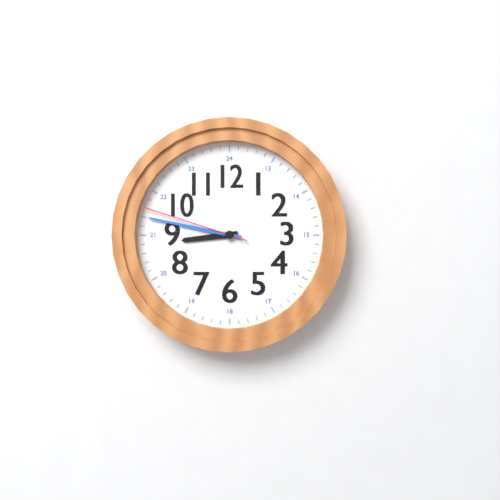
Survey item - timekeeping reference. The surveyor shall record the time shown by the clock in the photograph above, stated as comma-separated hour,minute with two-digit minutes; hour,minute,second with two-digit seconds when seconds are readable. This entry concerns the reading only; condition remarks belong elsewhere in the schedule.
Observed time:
8,47,48
